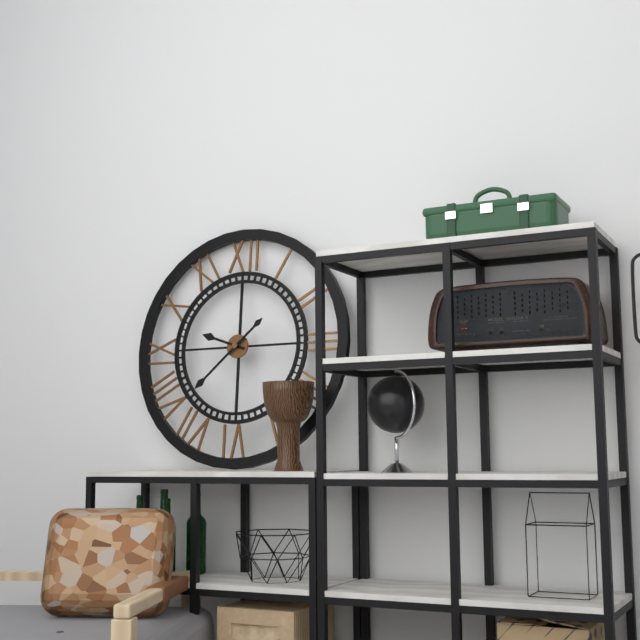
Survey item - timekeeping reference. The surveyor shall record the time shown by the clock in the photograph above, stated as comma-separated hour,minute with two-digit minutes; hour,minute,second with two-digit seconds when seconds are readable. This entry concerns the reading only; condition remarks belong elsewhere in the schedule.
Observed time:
9,38
